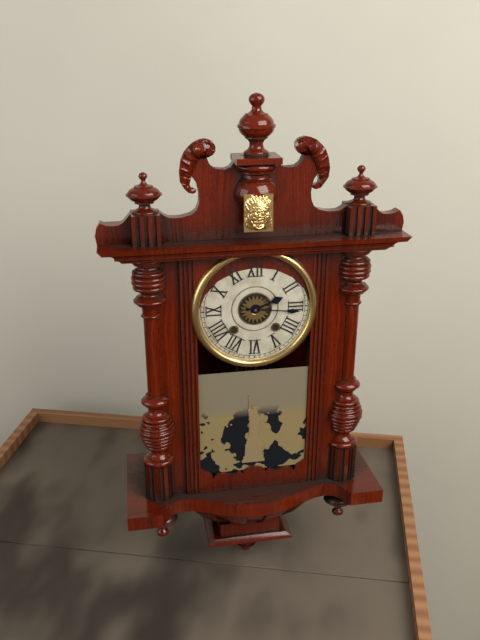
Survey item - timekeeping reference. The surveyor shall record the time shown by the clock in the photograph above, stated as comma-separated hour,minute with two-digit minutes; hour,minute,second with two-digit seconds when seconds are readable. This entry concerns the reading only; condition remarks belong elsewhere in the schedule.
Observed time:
2,16
